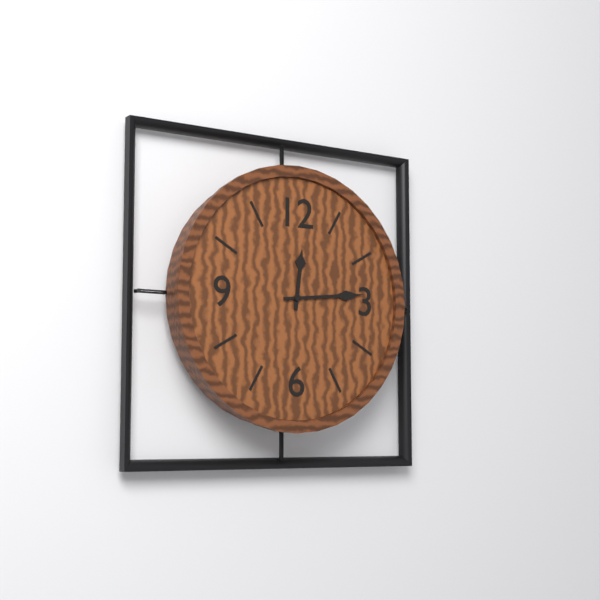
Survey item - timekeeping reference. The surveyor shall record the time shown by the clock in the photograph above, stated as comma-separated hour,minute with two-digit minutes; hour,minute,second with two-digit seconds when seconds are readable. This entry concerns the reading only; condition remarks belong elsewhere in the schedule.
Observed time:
12,14
